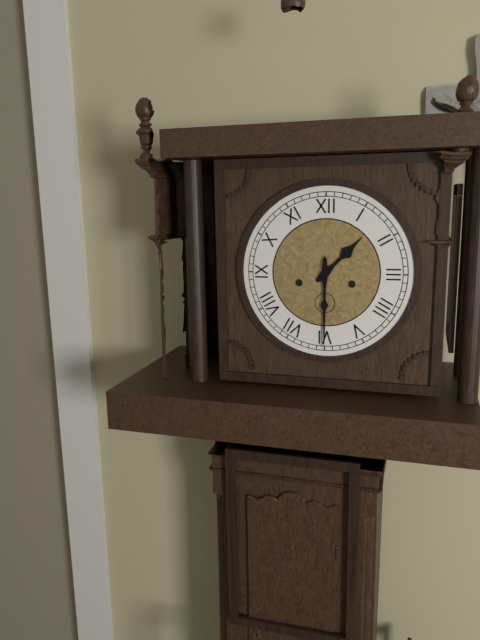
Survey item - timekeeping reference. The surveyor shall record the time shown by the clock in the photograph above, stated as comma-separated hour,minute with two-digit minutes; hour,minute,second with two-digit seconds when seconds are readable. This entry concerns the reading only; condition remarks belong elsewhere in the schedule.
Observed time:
1,30
